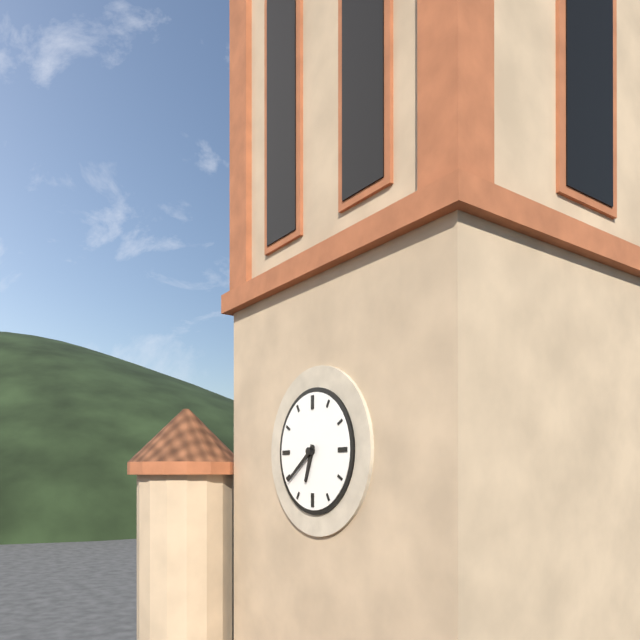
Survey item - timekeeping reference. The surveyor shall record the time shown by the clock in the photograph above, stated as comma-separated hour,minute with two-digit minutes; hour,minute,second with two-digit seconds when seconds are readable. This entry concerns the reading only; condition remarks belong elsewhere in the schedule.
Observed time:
6,39
